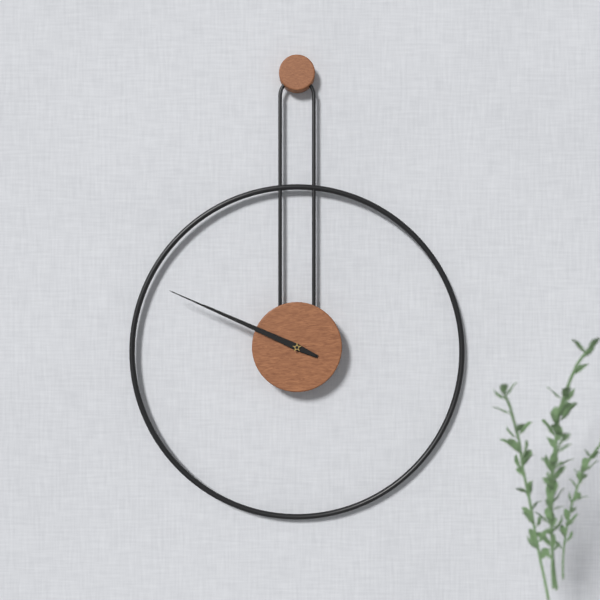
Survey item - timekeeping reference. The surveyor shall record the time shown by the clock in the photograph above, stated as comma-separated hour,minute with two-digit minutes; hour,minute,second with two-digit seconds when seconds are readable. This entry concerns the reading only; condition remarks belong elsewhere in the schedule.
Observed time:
9,49
